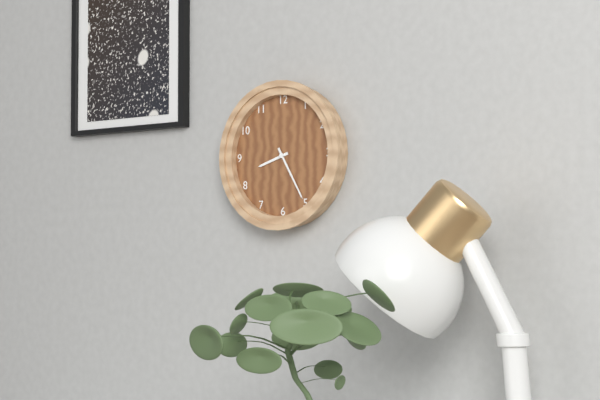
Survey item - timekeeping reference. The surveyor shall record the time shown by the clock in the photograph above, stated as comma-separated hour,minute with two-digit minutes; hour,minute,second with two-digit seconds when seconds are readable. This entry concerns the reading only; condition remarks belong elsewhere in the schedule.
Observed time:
8,25
